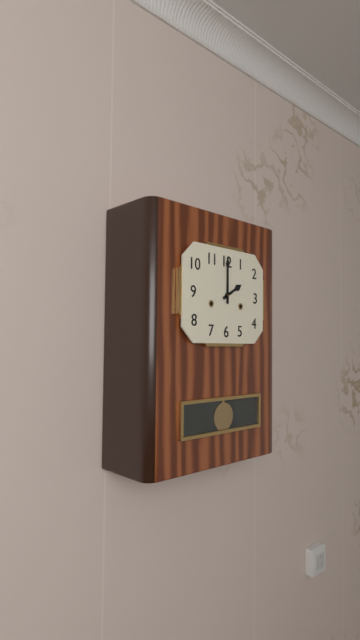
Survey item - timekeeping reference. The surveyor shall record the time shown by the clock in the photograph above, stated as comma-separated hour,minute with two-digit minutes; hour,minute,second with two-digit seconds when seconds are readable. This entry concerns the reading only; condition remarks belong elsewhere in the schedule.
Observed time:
2,00
